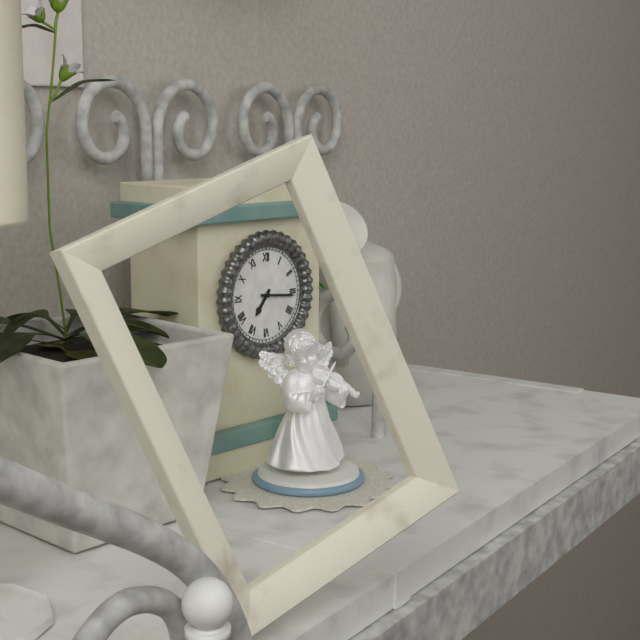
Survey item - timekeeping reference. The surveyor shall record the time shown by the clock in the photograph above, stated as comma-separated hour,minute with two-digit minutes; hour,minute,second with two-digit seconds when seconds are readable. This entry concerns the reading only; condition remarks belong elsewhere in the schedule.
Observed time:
7,16
